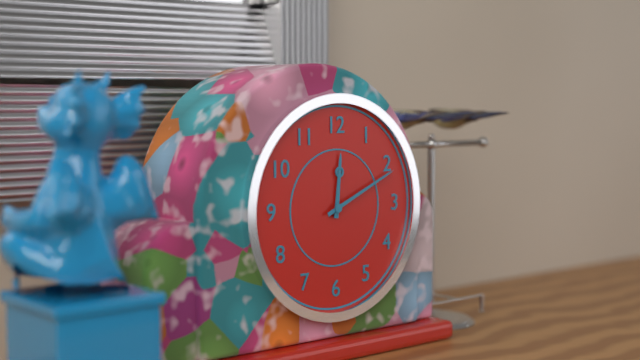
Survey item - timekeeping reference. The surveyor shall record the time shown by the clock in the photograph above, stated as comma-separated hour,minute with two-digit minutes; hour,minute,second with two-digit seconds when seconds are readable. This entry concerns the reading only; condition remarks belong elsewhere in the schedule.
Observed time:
12,11
